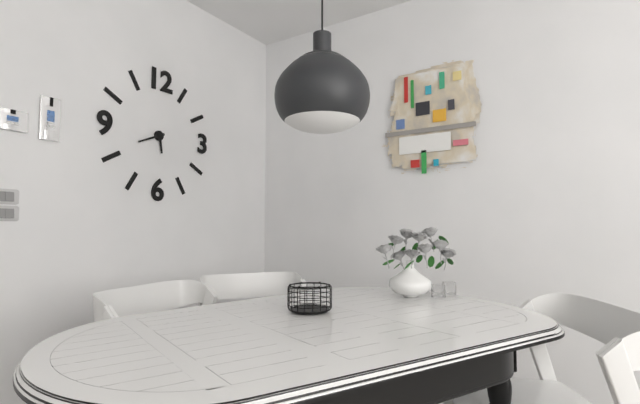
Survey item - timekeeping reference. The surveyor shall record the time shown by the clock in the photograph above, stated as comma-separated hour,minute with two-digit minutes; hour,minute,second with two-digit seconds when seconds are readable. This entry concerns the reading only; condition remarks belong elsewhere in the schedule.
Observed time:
5,41
